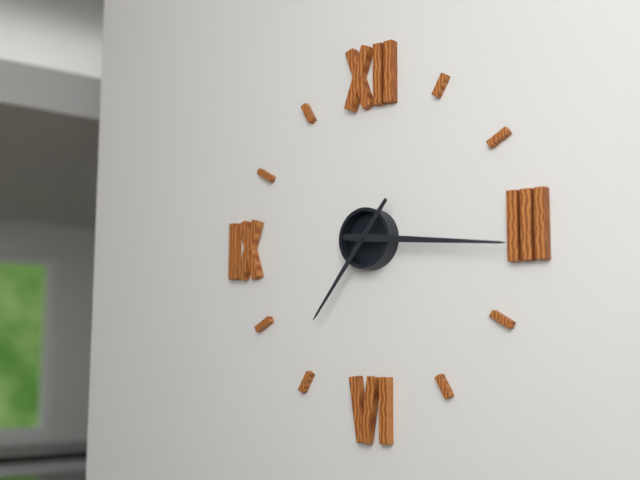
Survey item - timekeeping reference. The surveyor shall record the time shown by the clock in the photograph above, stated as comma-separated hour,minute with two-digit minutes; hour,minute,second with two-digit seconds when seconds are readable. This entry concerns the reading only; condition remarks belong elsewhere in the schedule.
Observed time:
7,16
